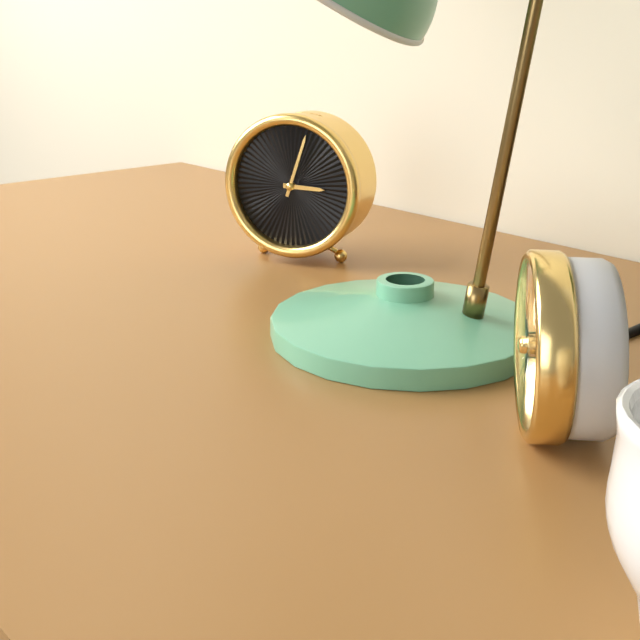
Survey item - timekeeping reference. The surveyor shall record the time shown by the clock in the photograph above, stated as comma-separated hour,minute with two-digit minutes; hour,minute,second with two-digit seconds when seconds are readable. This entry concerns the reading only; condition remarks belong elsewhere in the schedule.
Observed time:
3,03
